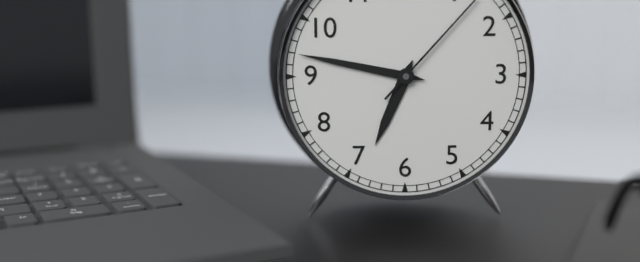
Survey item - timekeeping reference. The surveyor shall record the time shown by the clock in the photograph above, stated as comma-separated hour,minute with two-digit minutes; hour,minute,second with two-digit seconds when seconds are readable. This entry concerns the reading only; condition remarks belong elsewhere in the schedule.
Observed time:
6,47
